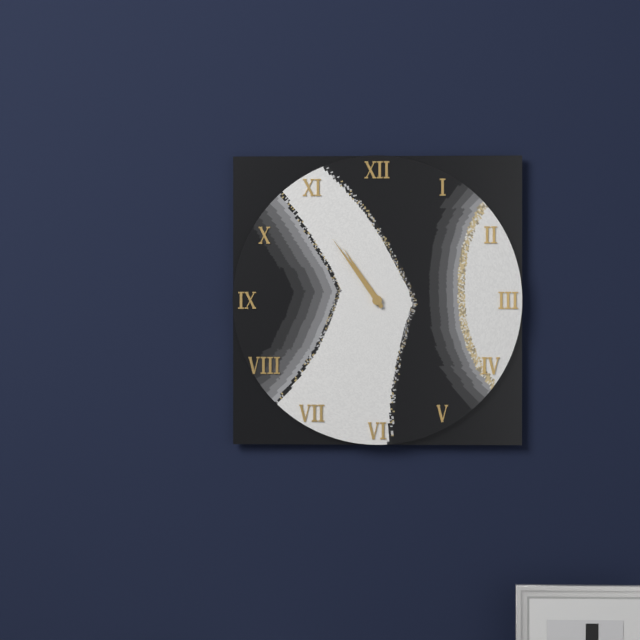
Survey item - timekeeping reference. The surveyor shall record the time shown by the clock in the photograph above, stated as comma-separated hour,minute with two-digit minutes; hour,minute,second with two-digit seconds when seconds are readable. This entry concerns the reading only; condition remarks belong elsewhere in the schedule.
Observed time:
10,54
